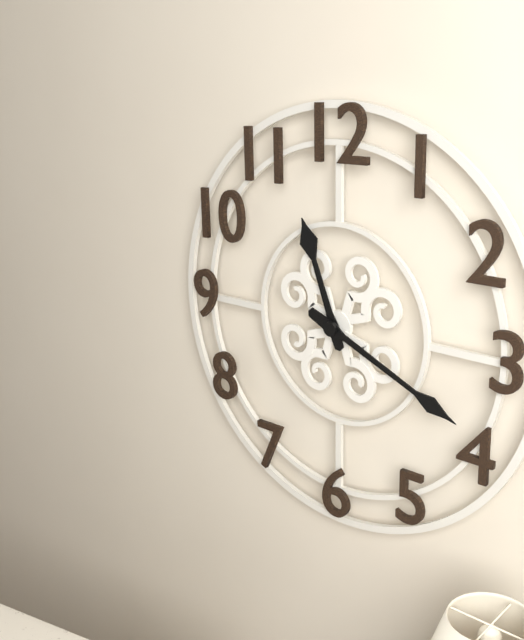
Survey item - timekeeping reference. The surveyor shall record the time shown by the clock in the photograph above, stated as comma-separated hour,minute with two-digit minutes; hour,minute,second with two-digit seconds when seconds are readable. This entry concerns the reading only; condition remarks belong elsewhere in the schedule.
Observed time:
11,19
